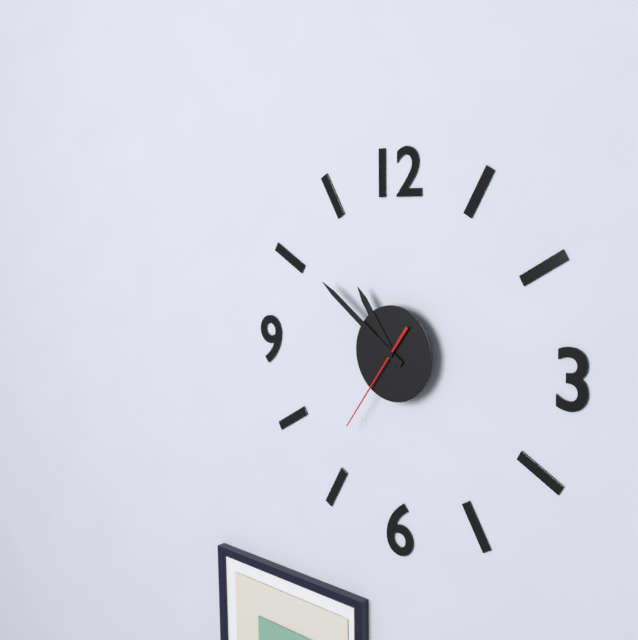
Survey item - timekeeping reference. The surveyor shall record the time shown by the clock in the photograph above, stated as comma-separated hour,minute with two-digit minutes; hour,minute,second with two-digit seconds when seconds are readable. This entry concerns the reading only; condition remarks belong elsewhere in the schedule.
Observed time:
10,51,36
